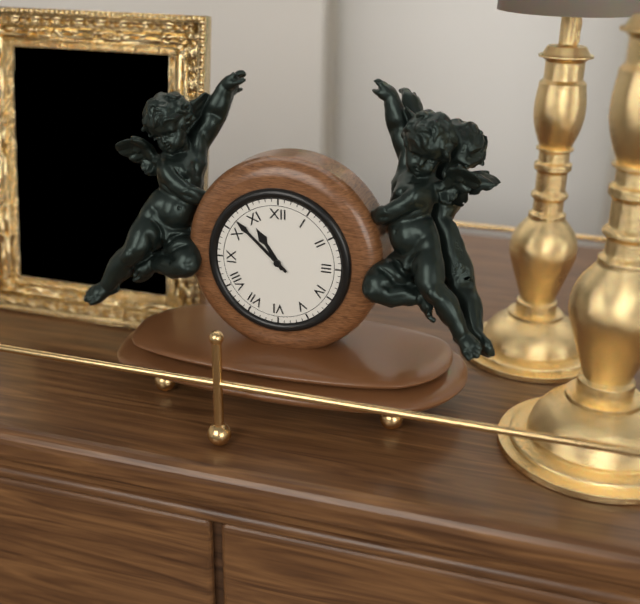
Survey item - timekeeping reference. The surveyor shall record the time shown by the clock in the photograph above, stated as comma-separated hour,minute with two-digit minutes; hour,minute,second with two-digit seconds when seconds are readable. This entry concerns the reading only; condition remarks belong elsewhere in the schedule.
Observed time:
10,52
